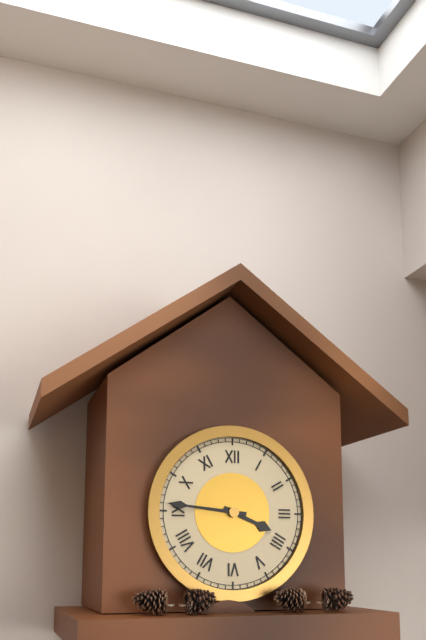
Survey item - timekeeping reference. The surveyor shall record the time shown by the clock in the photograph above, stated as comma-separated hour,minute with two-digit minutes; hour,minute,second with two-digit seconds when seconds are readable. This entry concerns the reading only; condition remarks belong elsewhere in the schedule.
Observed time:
3,46
